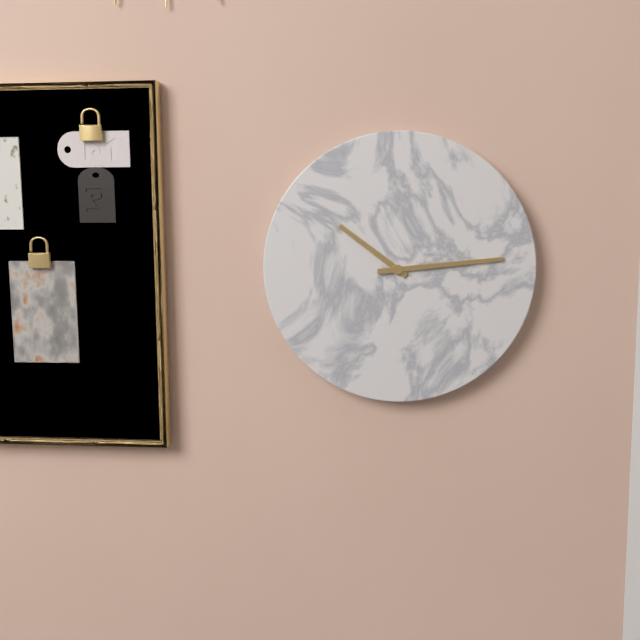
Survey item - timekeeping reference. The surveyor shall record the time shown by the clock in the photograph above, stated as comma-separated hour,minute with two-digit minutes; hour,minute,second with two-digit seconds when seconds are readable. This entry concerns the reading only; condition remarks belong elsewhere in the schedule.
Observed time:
10,14
